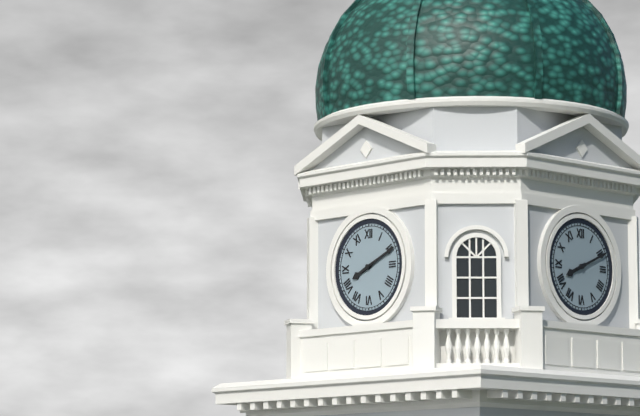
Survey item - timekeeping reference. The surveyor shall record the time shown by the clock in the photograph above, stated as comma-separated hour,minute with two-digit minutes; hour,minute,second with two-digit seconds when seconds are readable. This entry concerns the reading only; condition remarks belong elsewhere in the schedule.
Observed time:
8,11
